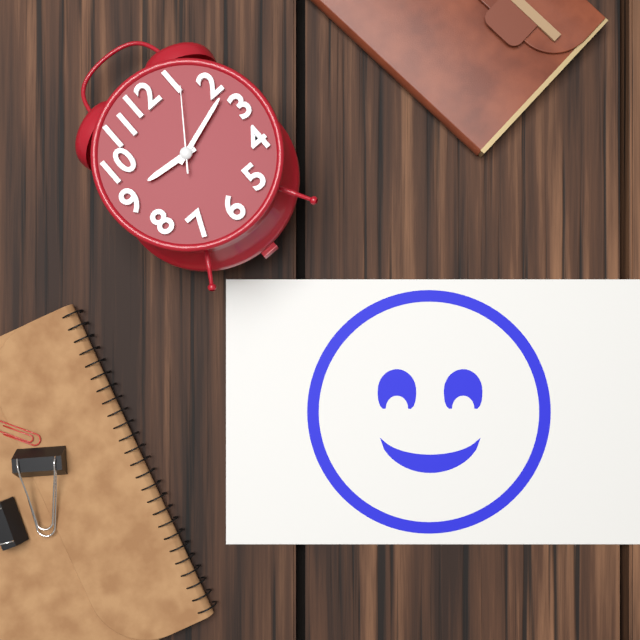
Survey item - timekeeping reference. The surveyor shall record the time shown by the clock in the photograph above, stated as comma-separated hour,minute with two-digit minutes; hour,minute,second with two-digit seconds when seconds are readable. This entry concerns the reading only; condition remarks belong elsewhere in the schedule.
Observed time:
9,12,06
